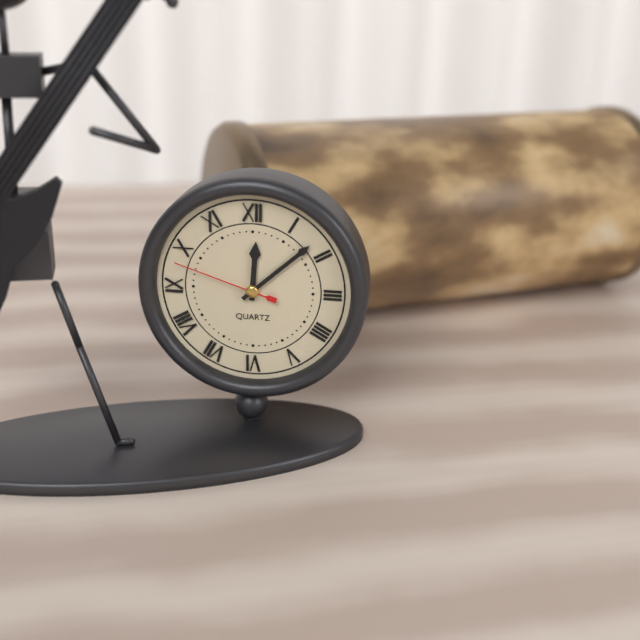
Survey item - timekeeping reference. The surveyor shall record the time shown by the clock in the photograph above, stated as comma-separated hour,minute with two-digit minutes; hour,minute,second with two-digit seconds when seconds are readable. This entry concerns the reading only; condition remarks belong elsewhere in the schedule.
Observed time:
12,08,48
